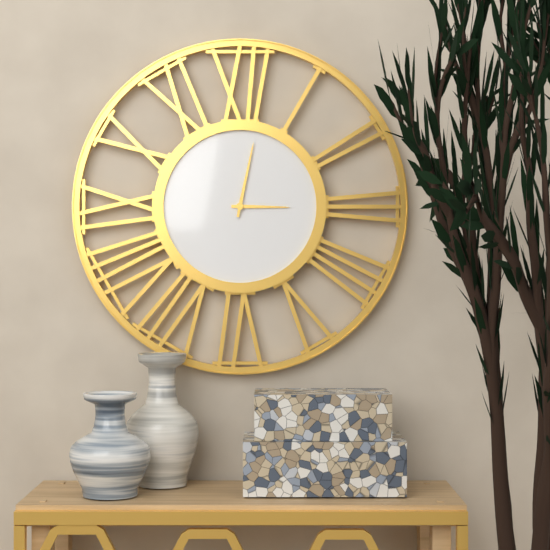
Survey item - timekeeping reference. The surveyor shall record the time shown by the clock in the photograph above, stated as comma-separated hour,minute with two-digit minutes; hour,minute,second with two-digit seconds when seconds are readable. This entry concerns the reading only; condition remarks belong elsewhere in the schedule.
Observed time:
3,02
